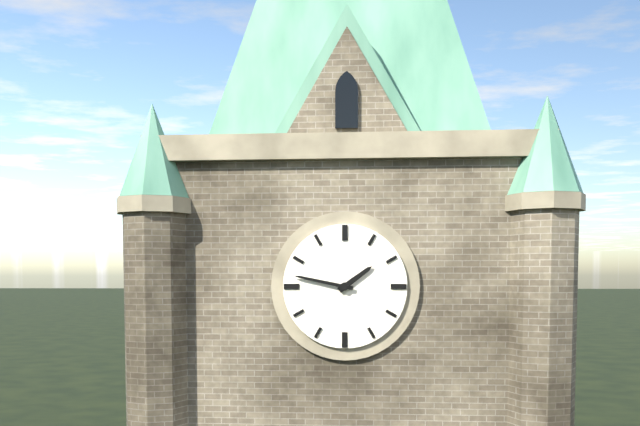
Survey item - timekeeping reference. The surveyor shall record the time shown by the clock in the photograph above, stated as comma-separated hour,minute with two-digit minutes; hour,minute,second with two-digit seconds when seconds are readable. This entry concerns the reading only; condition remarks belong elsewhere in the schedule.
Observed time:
1,47
